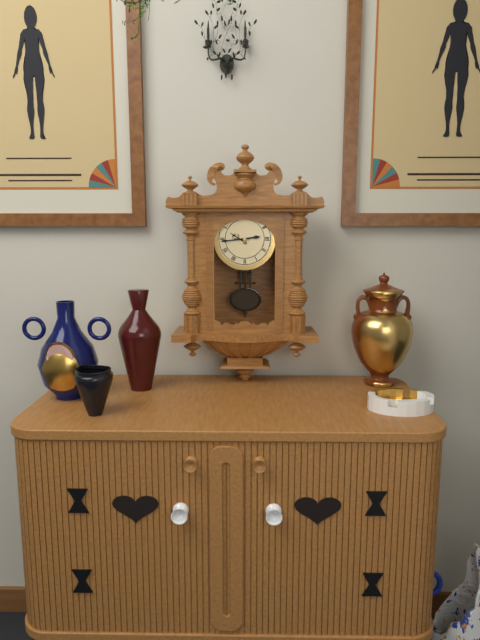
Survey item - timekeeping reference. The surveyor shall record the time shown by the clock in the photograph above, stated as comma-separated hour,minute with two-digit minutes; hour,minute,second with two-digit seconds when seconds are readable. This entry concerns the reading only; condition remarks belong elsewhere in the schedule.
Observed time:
2,44
